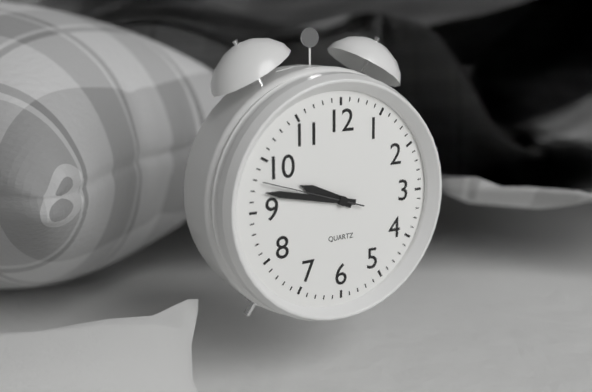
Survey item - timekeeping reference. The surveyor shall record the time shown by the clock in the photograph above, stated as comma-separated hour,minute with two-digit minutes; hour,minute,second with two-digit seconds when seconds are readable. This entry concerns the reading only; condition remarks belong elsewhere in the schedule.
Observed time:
9,47,48
